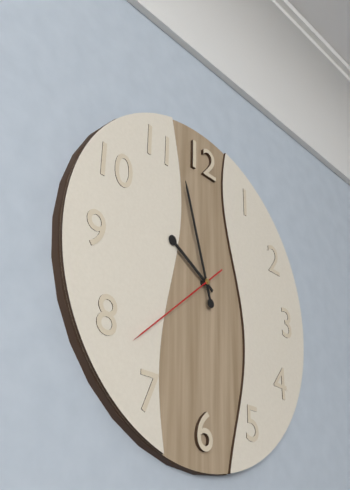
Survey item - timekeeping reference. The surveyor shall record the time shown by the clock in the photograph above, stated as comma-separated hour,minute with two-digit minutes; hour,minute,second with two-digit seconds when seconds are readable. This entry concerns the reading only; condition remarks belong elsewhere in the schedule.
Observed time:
9,57,38
